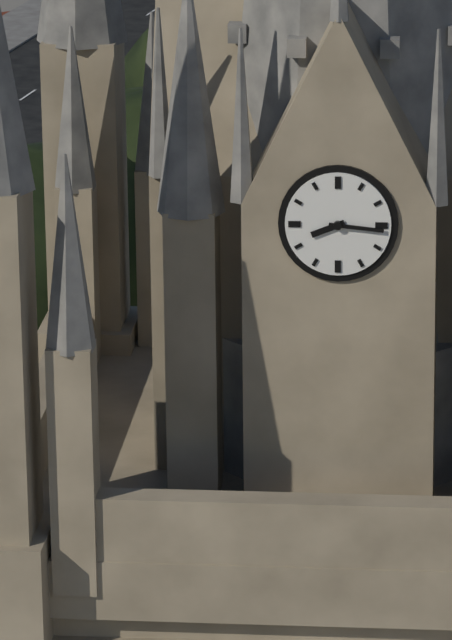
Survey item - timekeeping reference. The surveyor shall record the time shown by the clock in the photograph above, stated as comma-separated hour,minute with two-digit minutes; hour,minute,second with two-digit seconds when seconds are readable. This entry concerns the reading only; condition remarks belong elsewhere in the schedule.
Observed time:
8,16
